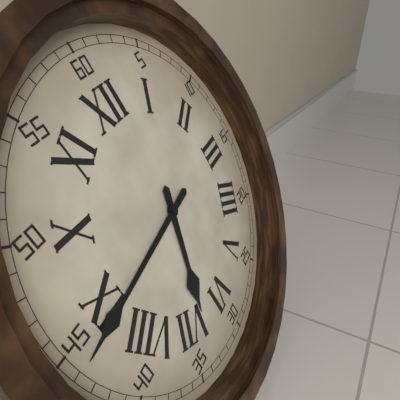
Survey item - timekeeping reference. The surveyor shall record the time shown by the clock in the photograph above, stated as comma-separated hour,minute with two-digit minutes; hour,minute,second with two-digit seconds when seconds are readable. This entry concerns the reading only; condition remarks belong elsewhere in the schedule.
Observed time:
6,44
